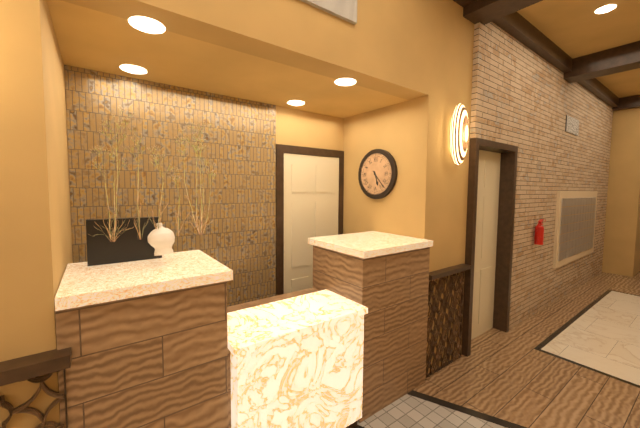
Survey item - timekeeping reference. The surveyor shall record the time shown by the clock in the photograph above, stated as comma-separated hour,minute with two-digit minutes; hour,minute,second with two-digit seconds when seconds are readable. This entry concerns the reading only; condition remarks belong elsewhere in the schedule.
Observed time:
5,23
